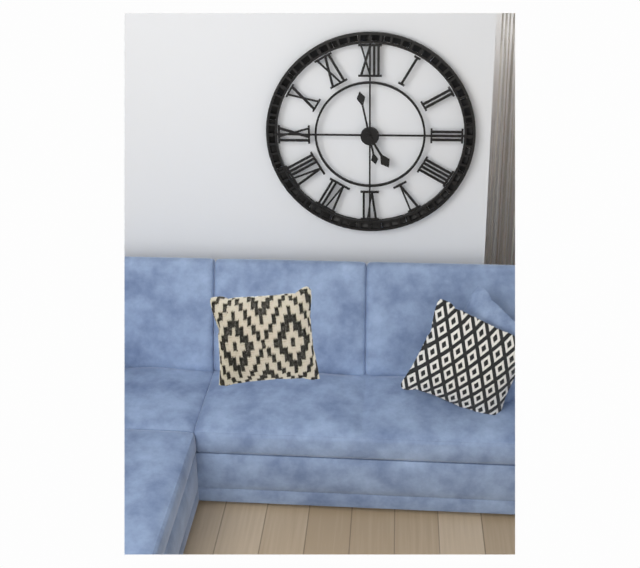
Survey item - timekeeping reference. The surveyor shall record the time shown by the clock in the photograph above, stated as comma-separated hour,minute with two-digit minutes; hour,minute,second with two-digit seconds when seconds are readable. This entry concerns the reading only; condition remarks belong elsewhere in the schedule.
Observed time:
4,58
